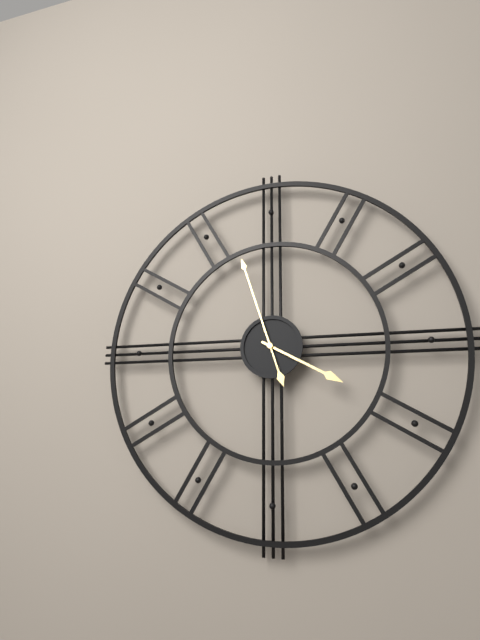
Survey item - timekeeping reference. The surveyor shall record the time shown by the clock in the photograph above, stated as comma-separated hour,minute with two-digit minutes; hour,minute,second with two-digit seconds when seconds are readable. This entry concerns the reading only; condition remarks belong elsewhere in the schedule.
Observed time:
3,57
